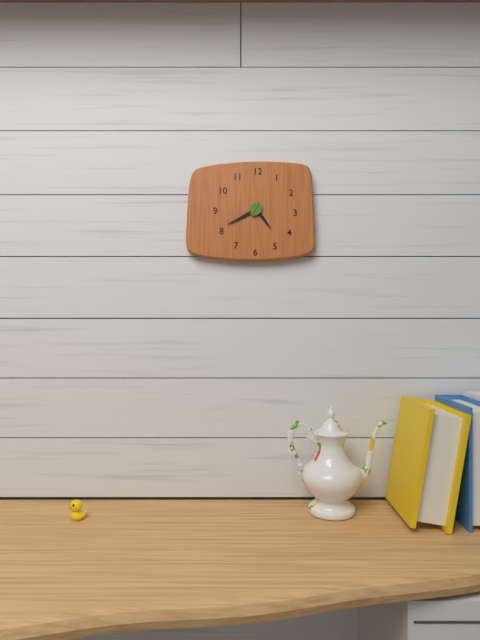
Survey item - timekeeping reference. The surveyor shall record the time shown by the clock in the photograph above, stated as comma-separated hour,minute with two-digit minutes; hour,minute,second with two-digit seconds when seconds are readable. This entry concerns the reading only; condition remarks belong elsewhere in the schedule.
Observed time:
4,40
